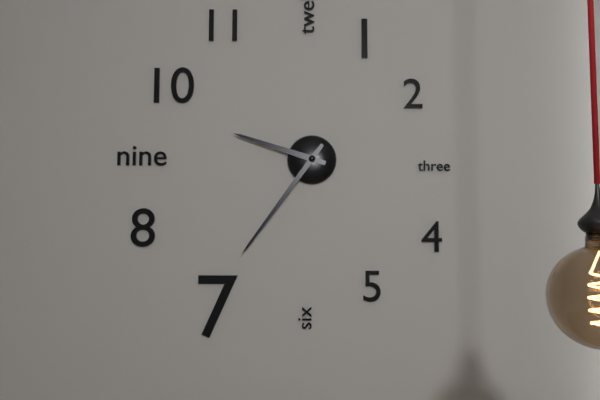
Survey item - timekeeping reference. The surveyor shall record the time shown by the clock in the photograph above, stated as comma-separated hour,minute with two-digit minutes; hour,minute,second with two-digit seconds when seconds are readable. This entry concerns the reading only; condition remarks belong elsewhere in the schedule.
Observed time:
9,36
